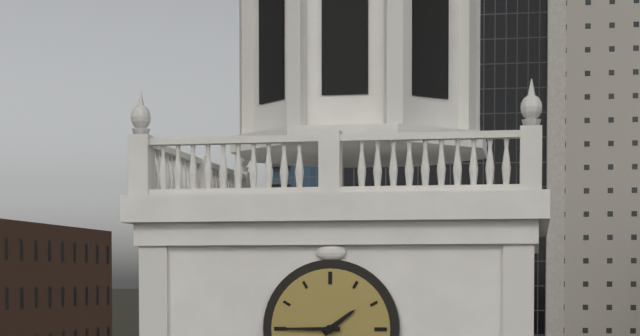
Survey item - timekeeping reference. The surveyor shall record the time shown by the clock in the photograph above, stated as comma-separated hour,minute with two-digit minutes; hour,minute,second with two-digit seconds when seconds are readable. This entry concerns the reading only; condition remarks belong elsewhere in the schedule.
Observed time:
1,45
